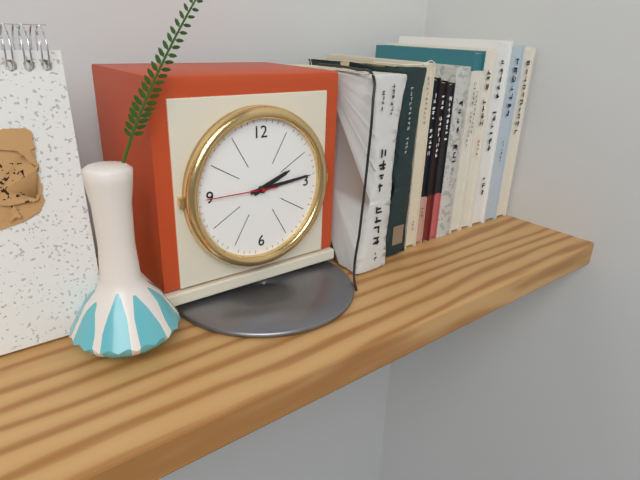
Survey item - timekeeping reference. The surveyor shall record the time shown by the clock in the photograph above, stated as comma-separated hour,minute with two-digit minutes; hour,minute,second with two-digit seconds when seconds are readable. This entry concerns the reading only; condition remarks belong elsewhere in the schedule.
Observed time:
2,14,45
